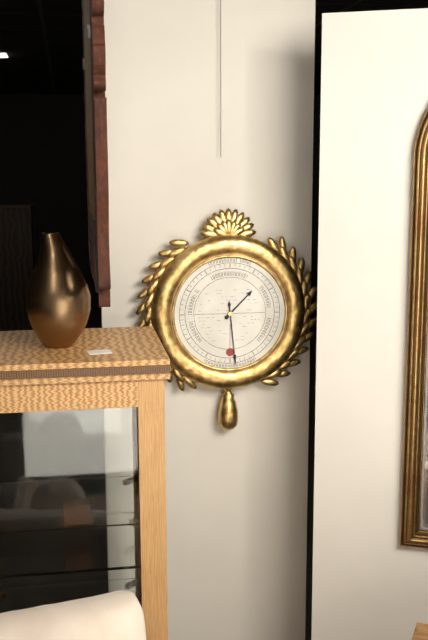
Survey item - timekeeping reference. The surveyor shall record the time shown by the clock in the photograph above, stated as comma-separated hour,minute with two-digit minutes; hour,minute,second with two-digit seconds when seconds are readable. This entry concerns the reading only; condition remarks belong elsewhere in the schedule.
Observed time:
1,29
